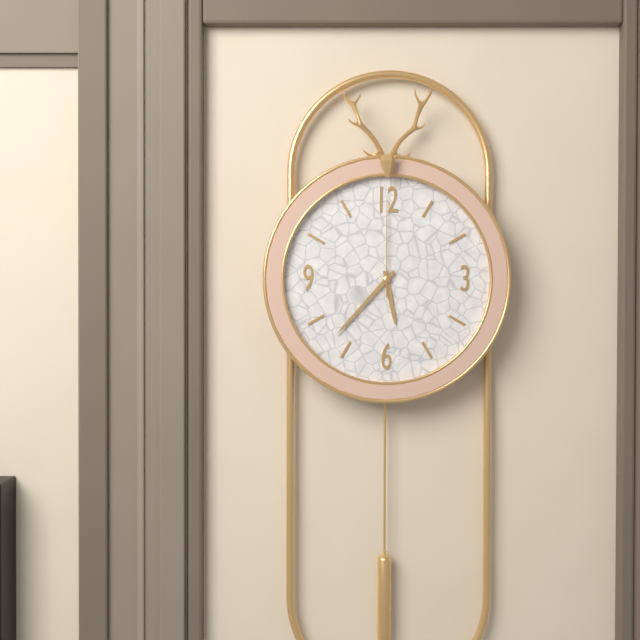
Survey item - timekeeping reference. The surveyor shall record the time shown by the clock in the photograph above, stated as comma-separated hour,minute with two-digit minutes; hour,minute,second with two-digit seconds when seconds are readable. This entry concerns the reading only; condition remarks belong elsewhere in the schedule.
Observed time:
5,37,00
